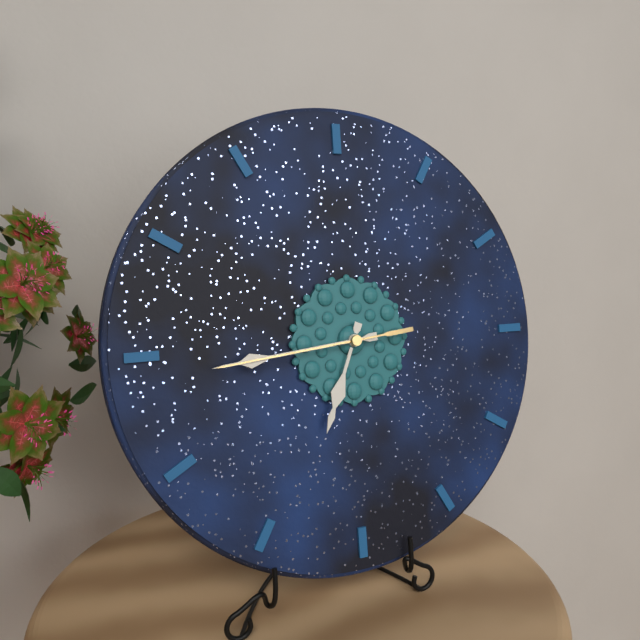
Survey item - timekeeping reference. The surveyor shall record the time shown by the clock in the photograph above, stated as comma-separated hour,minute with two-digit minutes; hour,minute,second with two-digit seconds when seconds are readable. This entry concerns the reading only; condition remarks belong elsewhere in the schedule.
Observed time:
6,44,44
